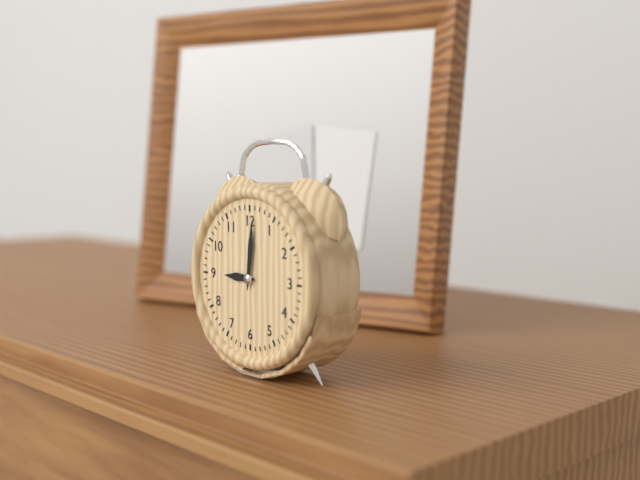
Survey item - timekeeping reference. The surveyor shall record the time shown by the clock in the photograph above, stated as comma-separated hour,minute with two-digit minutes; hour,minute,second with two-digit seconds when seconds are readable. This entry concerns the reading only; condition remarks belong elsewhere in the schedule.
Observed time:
9,01
